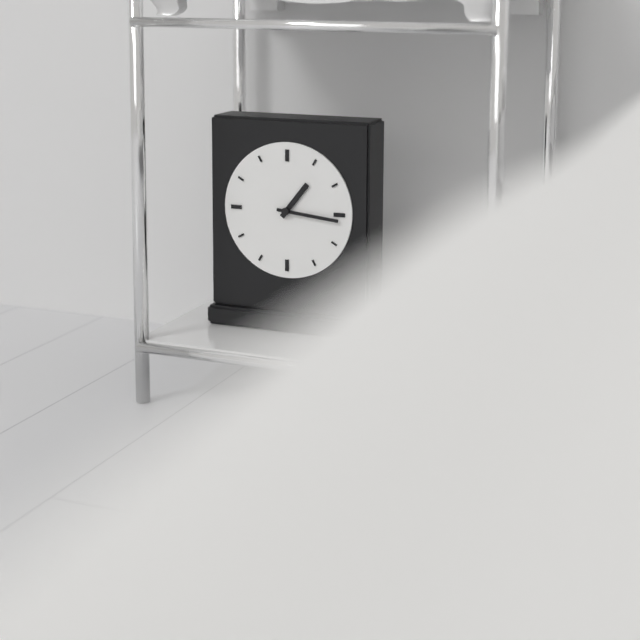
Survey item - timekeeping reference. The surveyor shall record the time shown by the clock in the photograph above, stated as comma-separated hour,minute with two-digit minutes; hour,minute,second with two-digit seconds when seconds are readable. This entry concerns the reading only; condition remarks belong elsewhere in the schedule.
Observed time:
1,16
